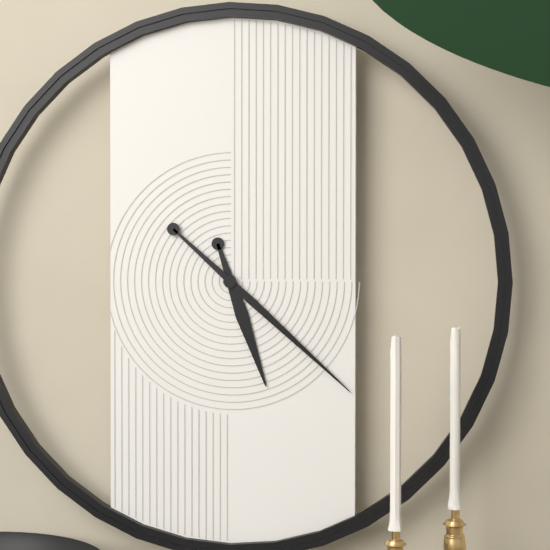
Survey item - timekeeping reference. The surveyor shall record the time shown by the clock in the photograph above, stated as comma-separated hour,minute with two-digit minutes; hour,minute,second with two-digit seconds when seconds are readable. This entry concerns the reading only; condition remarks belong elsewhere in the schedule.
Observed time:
5,22
